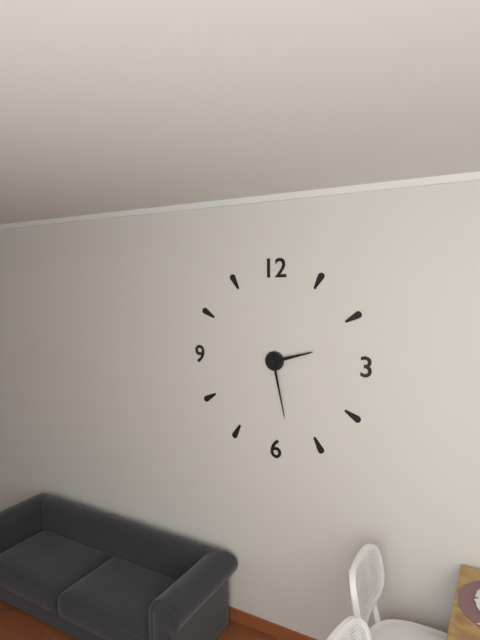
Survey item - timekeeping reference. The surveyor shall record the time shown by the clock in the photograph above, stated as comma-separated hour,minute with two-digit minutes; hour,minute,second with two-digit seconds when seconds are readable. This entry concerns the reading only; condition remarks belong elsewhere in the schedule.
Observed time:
2,28
